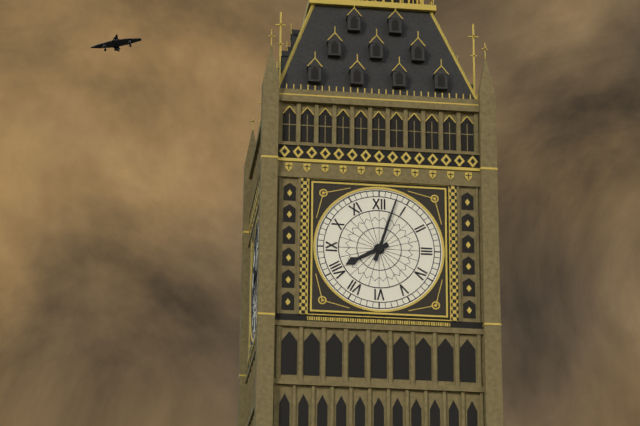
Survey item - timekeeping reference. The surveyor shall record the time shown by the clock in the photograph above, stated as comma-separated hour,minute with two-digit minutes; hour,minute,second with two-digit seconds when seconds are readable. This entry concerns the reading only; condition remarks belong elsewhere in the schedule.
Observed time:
8,03
